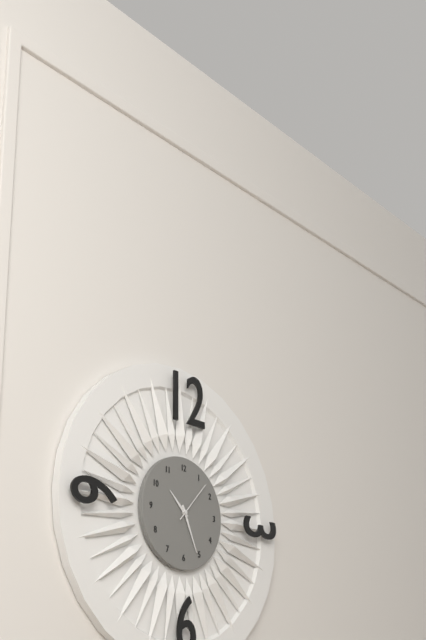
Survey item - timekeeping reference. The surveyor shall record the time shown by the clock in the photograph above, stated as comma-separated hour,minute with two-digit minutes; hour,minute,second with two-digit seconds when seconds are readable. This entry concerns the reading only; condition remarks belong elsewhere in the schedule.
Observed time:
10,26
